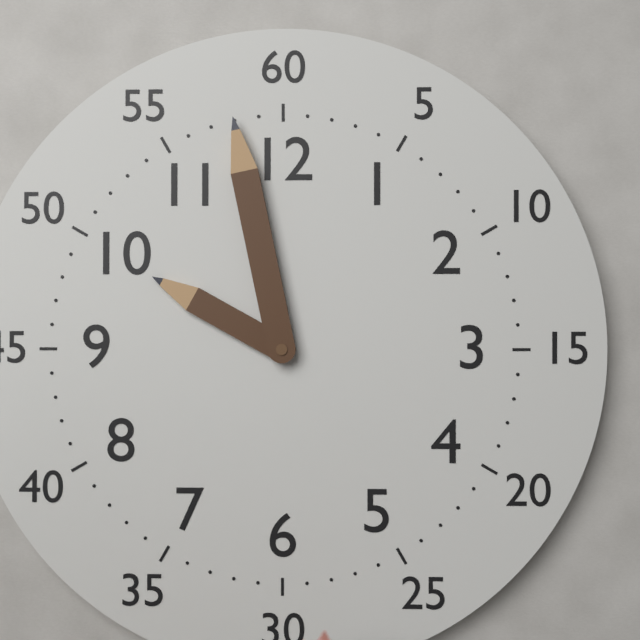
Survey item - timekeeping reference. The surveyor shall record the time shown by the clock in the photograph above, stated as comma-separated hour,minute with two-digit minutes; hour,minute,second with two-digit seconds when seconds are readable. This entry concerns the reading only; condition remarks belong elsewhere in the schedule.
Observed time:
9,58
